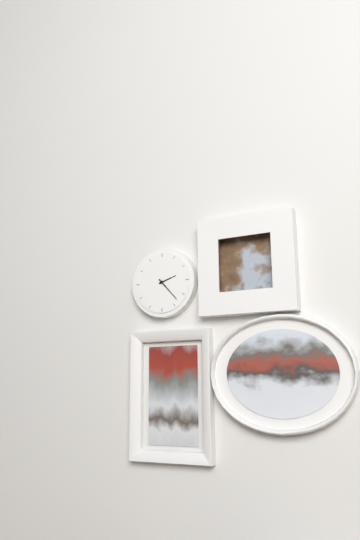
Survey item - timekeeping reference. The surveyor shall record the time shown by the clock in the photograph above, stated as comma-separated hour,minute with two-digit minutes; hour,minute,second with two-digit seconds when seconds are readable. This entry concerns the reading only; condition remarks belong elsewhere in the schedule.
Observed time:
2,23
